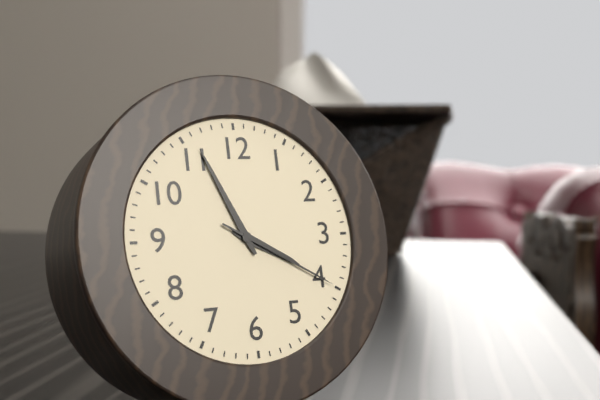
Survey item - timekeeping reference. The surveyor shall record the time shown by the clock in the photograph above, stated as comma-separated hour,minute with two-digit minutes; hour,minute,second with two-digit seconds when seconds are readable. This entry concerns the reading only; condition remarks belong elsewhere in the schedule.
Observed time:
3,56,20
